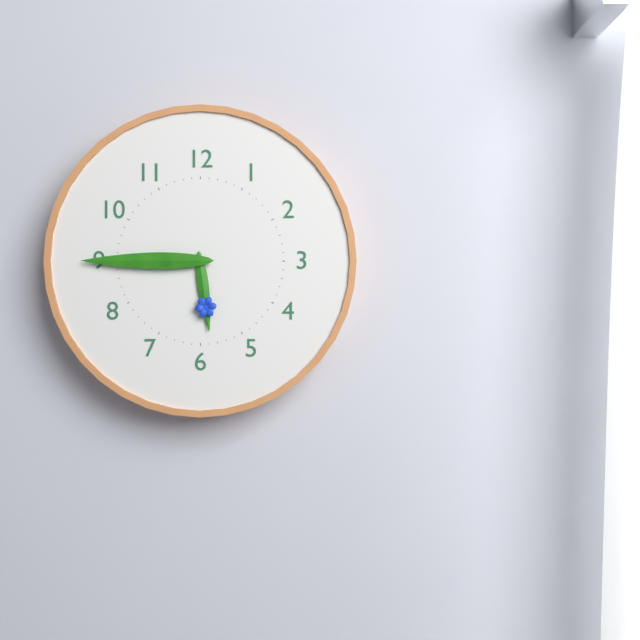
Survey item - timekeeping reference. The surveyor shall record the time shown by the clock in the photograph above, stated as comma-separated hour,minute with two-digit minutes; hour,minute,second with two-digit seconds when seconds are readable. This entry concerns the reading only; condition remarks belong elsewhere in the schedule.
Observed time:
5,45
